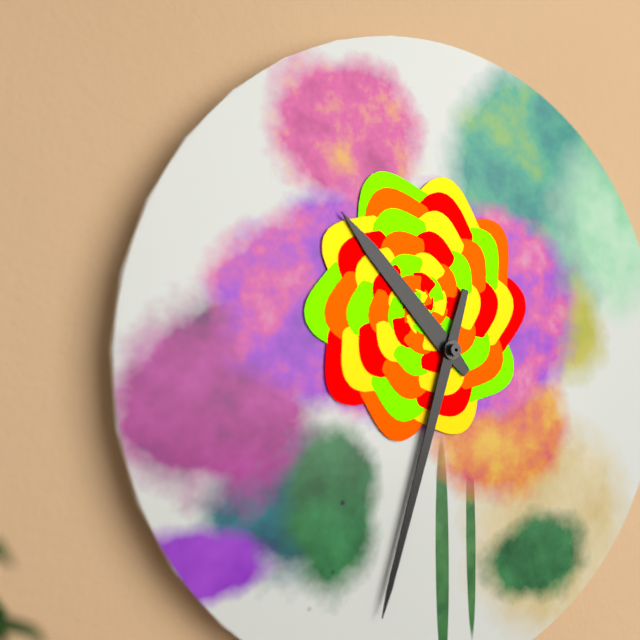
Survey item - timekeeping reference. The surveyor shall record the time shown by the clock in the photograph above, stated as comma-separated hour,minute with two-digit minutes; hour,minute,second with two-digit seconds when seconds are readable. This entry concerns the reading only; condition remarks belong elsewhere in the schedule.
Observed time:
10,33
